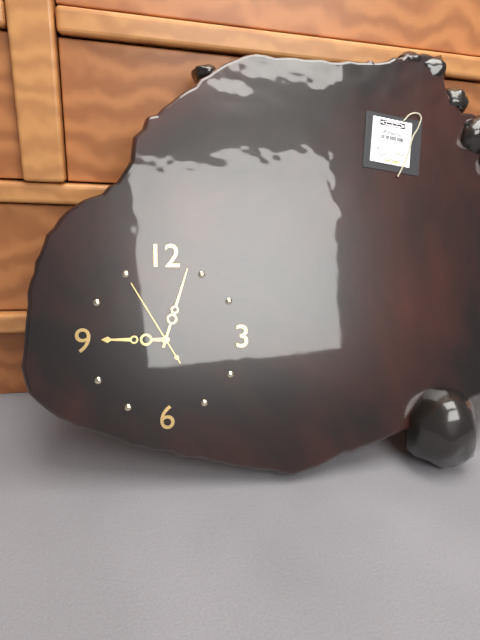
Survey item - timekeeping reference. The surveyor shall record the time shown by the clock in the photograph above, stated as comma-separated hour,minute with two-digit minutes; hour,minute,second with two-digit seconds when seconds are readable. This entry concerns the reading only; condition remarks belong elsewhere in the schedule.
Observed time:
9,03,55
